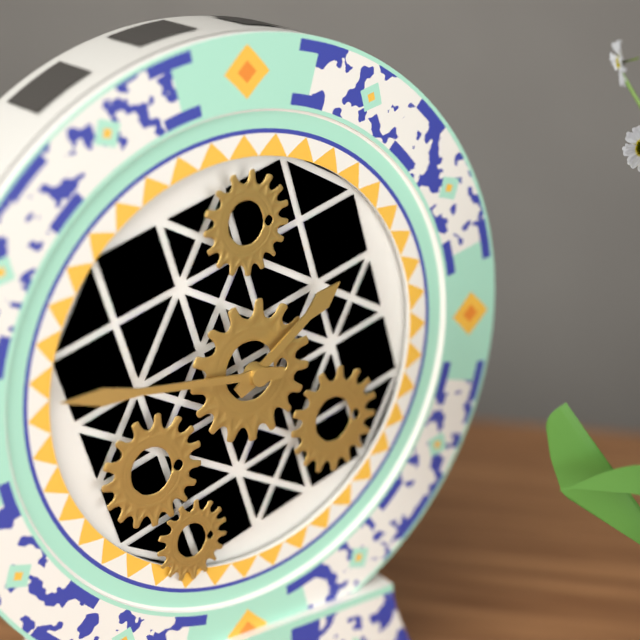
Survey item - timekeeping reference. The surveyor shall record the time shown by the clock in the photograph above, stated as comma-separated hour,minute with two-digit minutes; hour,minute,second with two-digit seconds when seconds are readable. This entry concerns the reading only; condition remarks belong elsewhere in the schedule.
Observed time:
1,46
